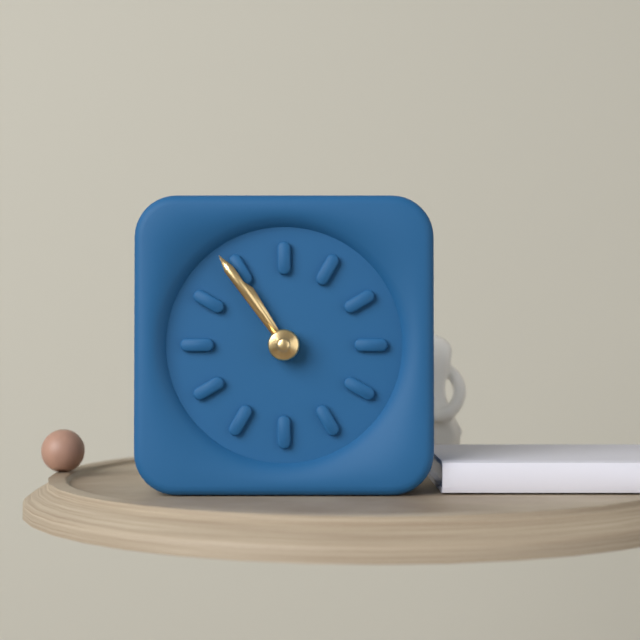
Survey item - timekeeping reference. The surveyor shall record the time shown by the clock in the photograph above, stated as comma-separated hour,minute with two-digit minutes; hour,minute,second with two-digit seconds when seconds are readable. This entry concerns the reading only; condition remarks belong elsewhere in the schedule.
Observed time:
10,54
